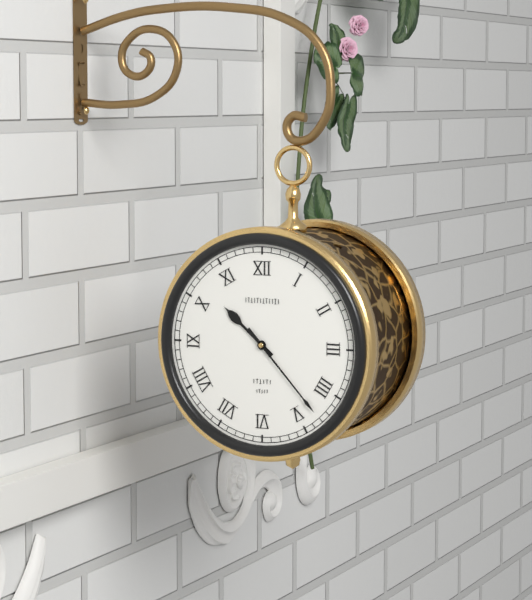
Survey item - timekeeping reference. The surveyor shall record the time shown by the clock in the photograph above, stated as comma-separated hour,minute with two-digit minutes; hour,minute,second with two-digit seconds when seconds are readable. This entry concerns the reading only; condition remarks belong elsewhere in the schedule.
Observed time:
10,23
